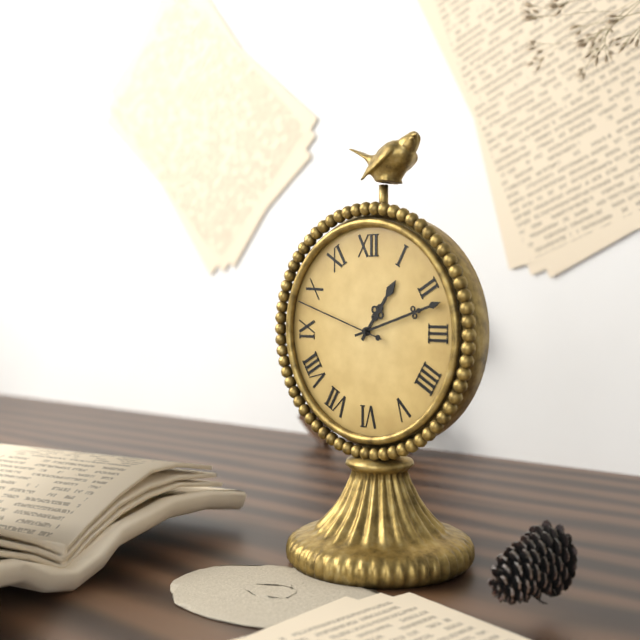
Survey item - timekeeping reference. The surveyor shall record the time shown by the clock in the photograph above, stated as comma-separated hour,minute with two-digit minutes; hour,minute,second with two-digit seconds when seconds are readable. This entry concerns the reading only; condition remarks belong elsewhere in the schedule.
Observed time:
1,12,48
